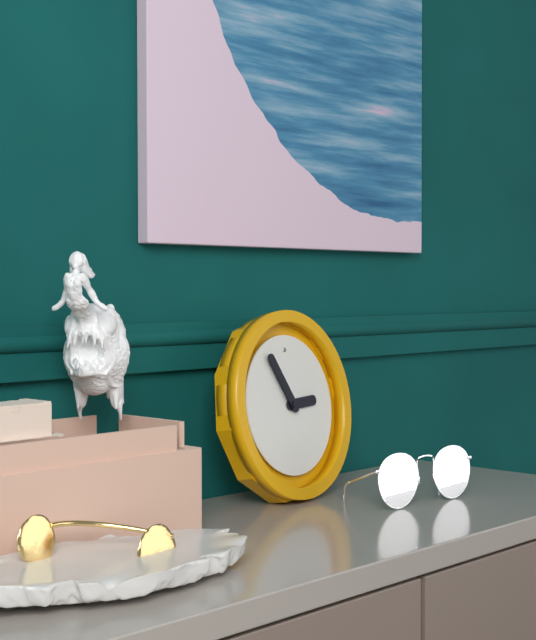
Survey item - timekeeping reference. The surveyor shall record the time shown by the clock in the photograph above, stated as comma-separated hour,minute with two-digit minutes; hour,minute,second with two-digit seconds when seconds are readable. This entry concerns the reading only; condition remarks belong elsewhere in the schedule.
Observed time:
2,55
